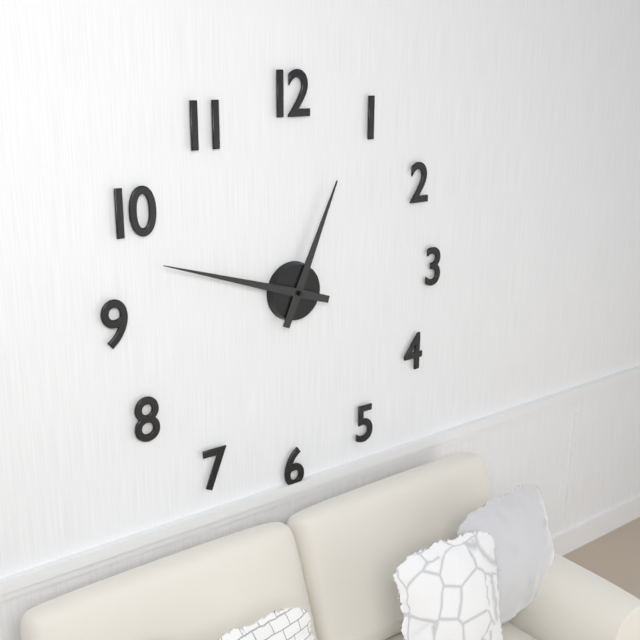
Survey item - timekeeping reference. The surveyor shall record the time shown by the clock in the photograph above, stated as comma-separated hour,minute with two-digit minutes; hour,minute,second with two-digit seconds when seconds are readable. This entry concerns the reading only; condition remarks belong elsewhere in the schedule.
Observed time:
12,48
